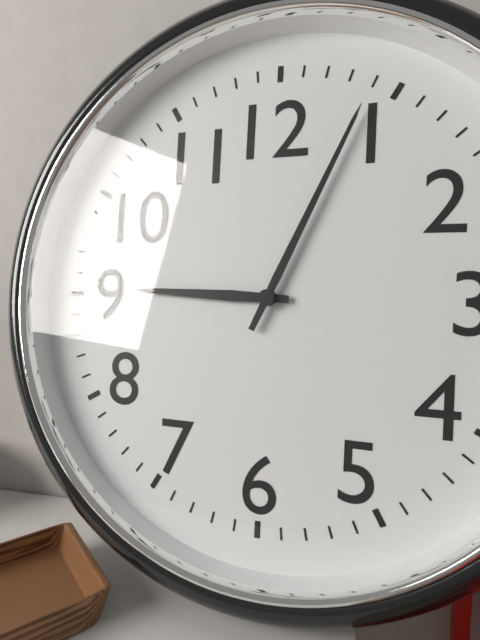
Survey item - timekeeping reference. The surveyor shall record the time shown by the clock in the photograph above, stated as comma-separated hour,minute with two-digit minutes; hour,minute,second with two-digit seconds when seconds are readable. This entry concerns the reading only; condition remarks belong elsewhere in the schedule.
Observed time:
9,04
